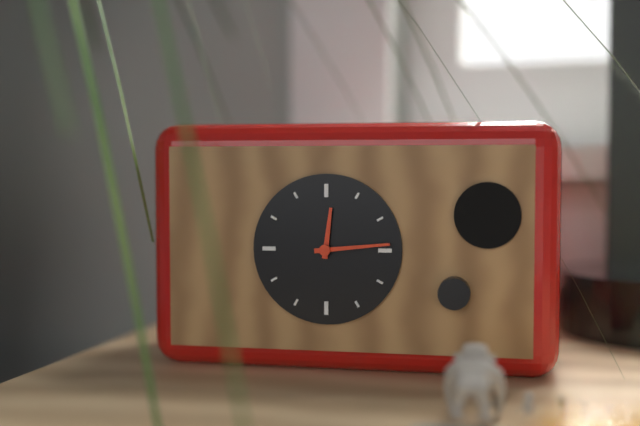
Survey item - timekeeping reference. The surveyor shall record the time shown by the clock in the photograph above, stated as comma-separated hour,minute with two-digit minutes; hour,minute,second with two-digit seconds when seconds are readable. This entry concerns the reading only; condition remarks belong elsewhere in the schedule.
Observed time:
12,14
